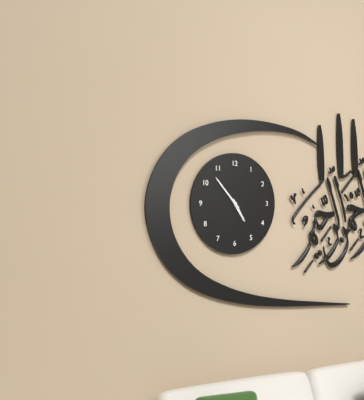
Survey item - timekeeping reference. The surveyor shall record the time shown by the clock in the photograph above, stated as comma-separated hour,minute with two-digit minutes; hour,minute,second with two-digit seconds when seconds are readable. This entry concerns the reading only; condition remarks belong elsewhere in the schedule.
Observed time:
4,53
